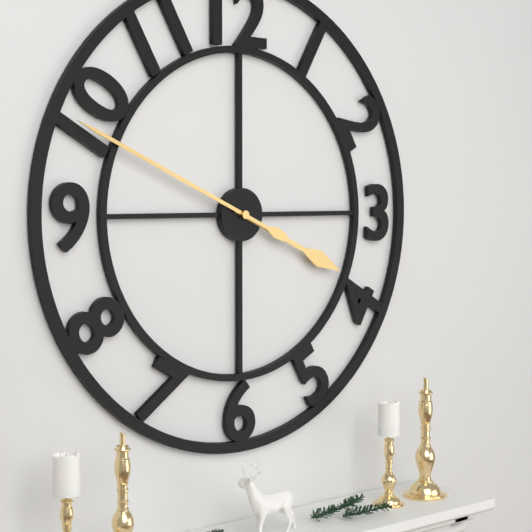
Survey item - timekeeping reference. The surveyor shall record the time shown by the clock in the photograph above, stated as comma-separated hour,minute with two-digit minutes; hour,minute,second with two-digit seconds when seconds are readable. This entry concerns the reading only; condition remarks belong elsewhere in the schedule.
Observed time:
3,49
